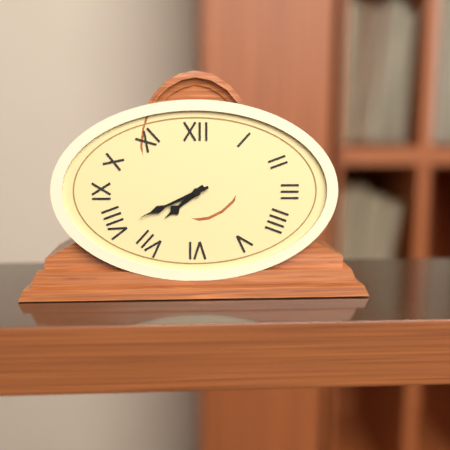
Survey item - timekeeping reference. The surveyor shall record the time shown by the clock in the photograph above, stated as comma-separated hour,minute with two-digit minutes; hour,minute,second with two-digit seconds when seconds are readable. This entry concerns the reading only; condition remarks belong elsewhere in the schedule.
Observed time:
7,41
